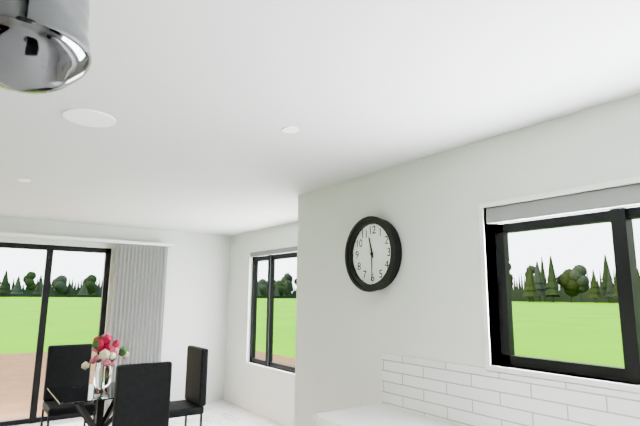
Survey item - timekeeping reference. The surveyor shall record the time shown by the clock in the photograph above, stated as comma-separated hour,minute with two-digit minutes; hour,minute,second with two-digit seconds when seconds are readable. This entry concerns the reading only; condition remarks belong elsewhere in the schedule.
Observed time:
11,30
